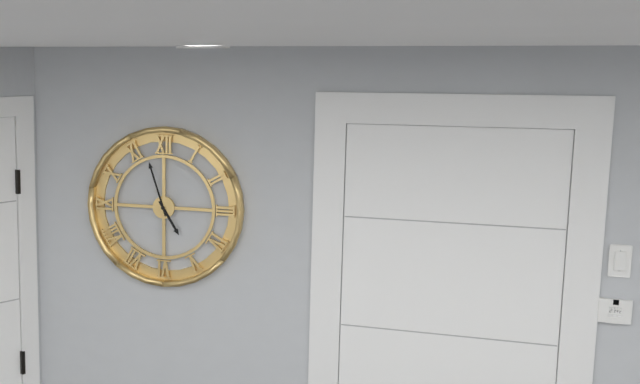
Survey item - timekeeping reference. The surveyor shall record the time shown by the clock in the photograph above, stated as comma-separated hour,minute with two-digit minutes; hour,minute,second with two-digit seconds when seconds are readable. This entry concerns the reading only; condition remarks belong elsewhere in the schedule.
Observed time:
4,57
